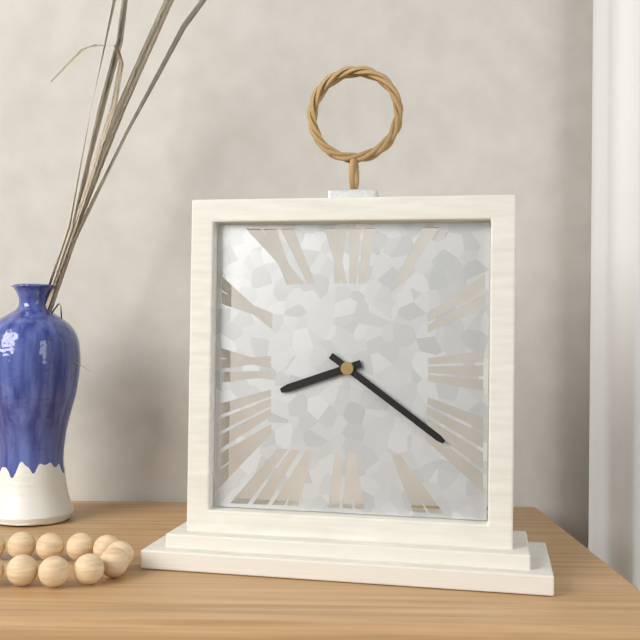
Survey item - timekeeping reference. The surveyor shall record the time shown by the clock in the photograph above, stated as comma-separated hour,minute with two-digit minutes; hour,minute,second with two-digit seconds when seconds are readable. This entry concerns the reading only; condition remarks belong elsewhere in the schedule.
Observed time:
8,21
